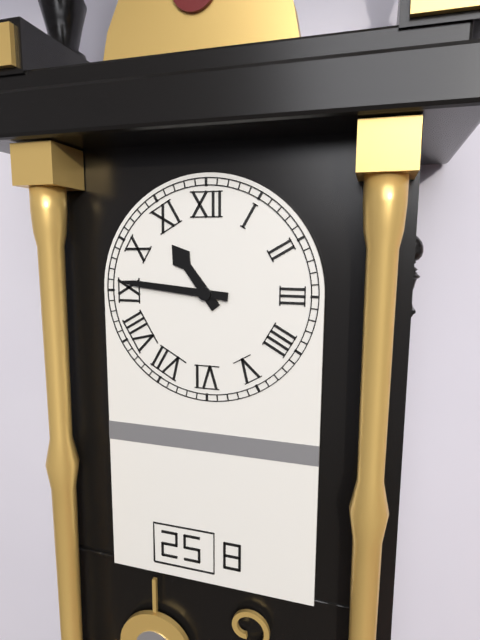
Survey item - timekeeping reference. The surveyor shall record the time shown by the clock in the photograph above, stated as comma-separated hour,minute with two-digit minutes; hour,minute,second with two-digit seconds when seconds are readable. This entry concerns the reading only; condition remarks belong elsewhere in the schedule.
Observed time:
10,46
